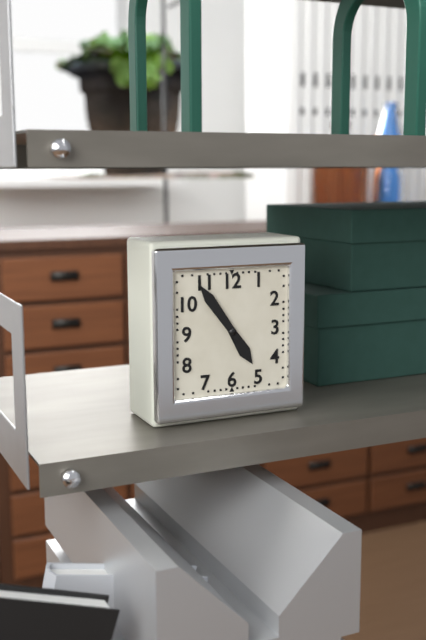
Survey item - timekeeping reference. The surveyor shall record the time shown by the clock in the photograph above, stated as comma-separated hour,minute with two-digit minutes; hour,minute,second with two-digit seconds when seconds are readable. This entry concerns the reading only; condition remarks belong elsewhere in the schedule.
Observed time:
4,54
